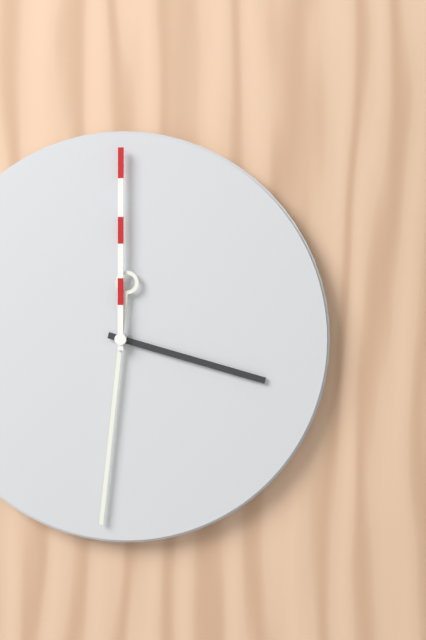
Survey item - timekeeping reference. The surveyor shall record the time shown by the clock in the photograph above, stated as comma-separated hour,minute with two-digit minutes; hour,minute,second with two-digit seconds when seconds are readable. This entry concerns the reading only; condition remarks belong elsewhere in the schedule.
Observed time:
3,31,00
